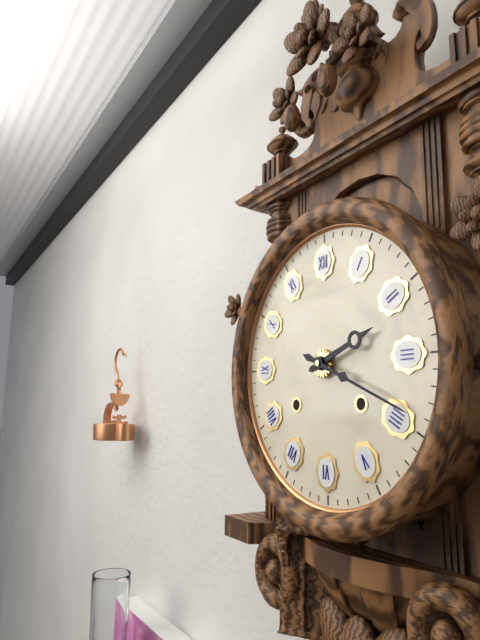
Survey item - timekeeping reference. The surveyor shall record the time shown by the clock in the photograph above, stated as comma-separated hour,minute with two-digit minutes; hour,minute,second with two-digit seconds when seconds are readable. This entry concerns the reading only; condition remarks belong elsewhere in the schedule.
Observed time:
2,19
